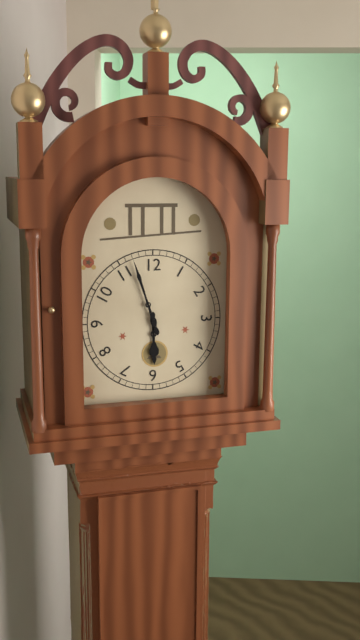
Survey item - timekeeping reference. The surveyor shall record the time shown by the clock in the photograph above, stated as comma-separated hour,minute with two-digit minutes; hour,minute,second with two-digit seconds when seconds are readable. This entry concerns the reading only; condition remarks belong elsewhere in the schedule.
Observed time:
5,57
